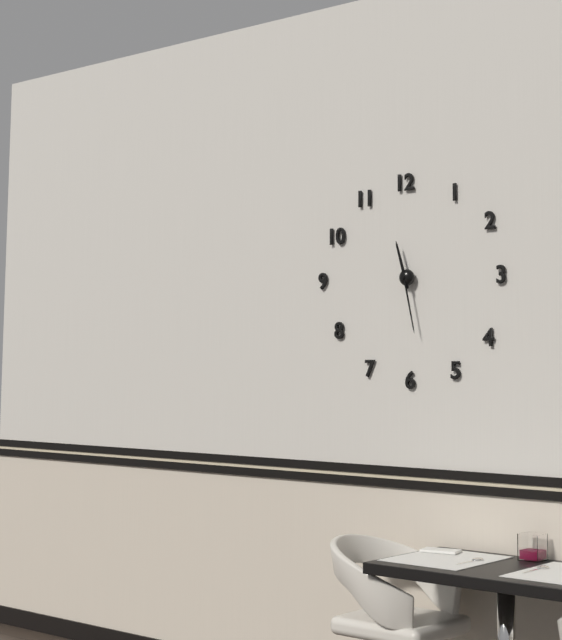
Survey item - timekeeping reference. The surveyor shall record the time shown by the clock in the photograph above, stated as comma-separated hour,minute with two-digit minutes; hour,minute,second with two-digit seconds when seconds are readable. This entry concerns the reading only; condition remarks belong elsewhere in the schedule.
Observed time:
11,28
